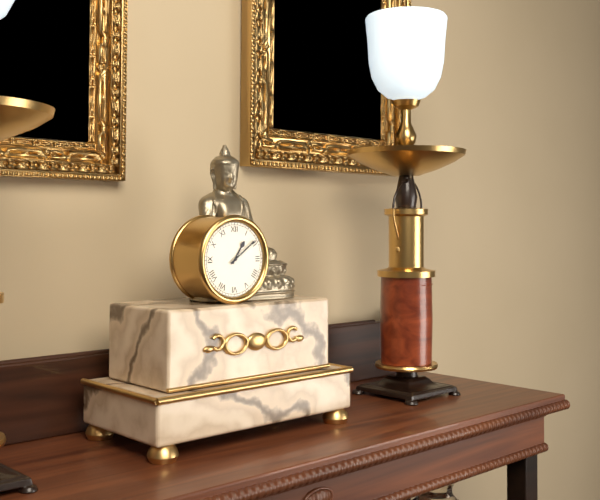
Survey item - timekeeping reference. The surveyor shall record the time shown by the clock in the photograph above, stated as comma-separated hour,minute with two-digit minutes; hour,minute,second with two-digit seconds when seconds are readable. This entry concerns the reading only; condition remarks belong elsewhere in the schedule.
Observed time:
1,09
